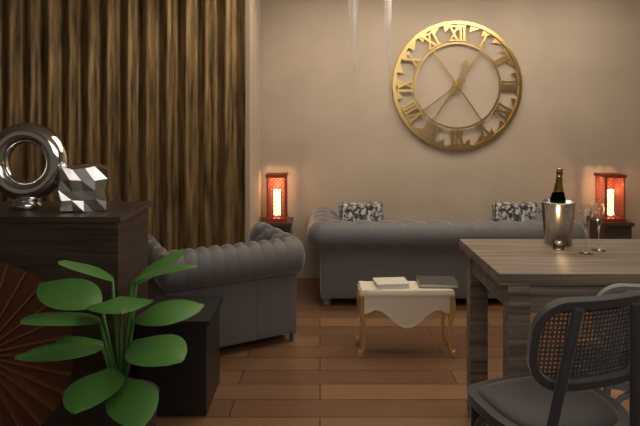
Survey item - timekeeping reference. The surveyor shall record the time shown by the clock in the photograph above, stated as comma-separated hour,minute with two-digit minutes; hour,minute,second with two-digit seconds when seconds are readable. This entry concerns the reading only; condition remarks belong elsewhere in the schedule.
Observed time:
12,39
